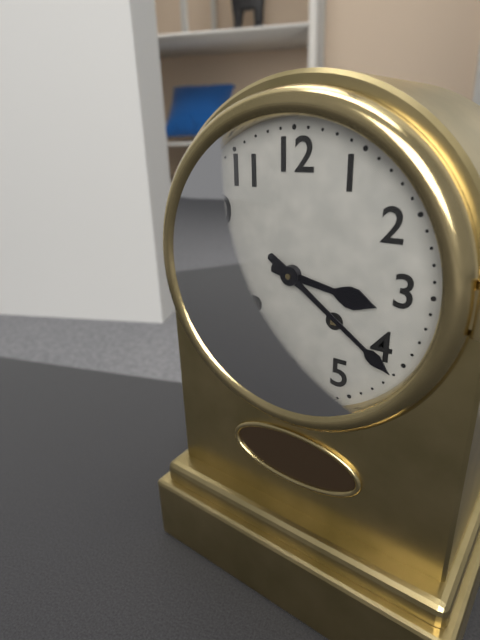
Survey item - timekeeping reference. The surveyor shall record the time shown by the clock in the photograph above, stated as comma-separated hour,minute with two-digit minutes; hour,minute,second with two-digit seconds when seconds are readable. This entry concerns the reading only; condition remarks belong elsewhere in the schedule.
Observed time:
3,21
